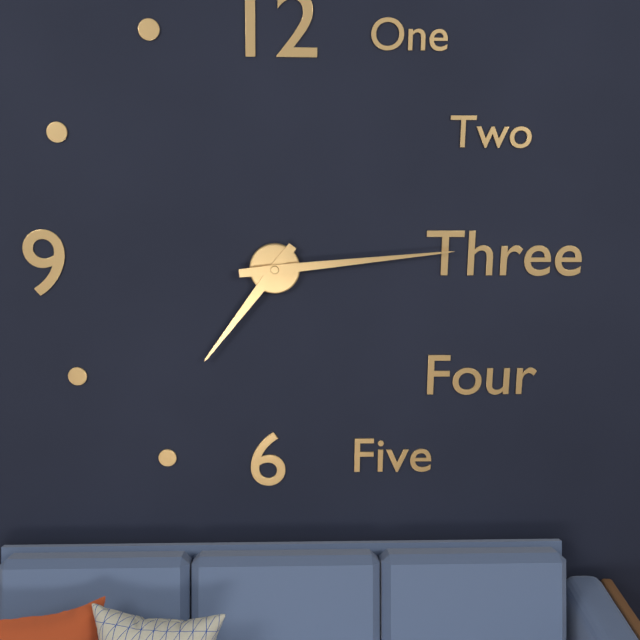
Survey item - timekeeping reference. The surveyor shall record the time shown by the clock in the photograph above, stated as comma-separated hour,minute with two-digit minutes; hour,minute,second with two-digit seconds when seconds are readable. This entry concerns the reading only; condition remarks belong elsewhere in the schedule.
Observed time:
7,14
